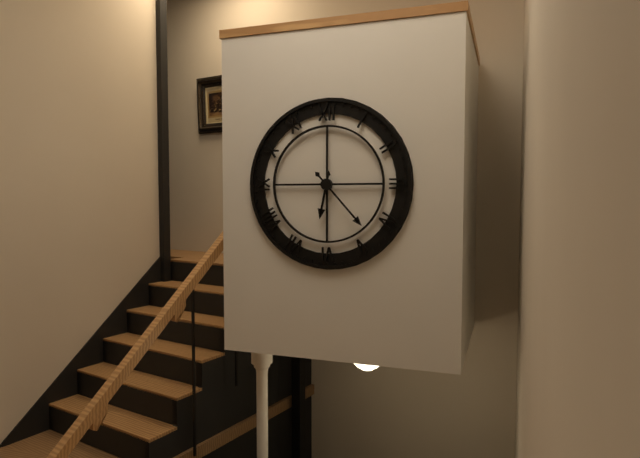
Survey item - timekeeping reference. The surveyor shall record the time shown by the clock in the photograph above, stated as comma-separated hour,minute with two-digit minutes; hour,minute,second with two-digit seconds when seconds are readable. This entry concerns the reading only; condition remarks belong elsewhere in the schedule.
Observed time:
6,23
